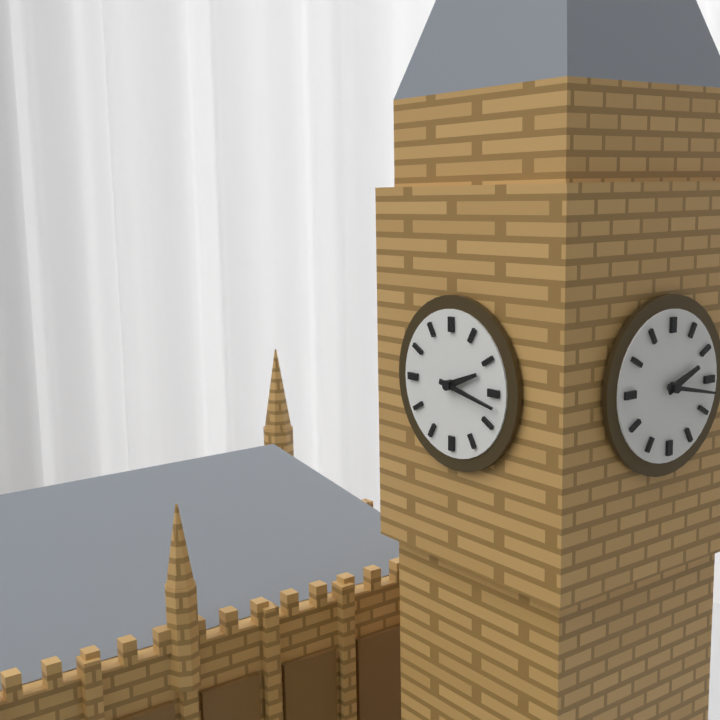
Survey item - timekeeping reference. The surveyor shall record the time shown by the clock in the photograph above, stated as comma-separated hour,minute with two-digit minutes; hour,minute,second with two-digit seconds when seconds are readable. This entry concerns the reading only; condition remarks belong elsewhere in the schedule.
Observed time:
2,17
